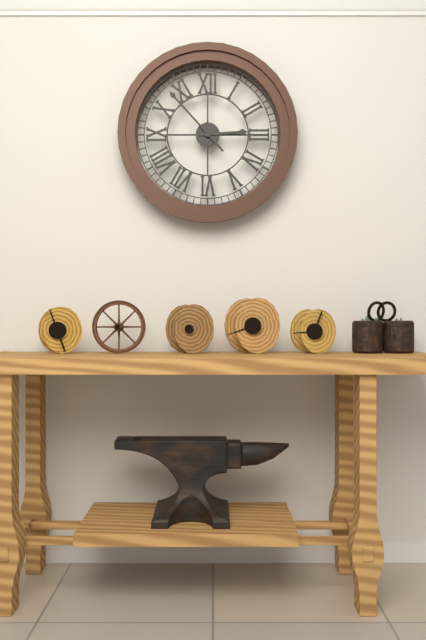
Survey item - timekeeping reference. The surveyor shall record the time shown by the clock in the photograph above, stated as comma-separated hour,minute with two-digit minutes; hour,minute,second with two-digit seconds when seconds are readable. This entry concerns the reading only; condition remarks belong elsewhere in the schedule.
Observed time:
2,53
